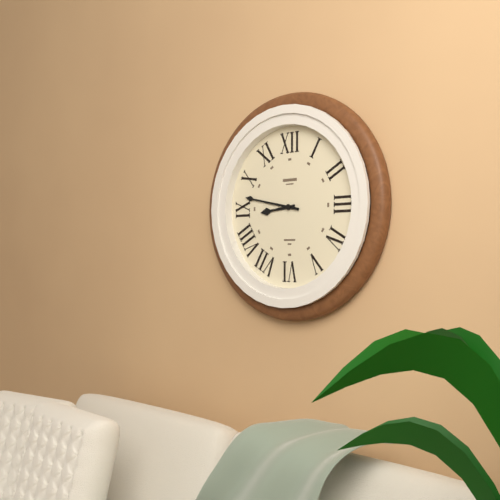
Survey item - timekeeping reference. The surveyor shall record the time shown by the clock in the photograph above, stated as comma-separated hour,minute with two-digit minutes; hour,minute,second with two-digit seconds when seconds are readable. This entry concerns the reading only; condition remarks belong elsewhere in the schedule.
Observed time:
8,47
